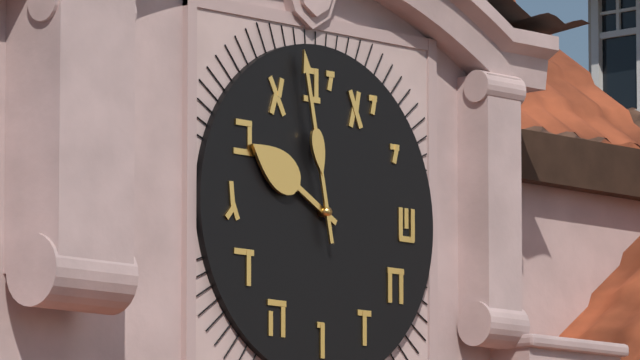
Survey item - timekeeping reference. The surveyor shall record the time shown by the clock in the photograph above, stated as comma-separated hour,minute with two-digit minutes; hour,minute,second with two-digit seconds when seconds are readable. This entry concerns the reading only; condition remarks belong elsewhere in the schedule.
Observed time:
9,58
